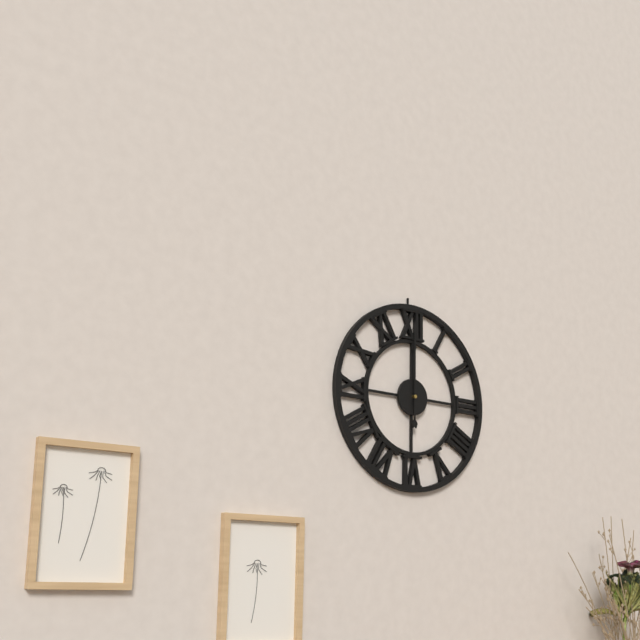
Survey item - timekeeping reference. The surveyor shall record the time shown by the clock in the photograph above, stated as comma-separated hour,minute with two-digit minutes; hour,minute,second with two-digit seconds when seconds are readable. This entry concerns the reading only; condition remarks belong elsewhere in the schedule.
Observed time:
12,00
